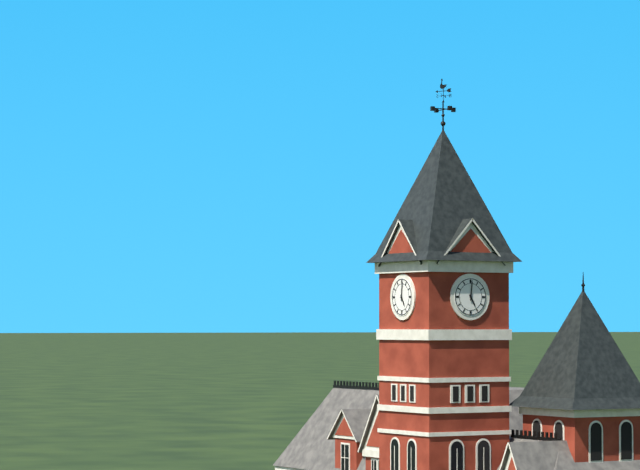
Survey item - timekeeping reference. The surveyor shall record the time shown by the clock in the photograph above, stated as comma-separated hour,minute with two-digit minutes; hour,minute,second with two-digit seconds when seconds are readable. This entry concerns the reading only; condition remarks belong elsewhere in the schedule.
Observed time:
5,01
